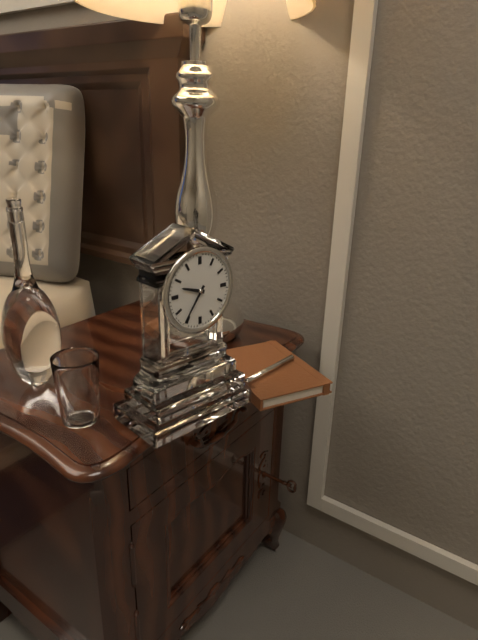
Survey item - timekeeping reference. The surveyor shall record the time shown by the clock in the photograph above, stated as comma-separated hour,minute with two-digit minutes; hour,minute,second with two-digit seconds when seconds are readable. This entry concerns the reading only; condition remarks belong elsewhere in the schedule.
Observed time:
9,36
